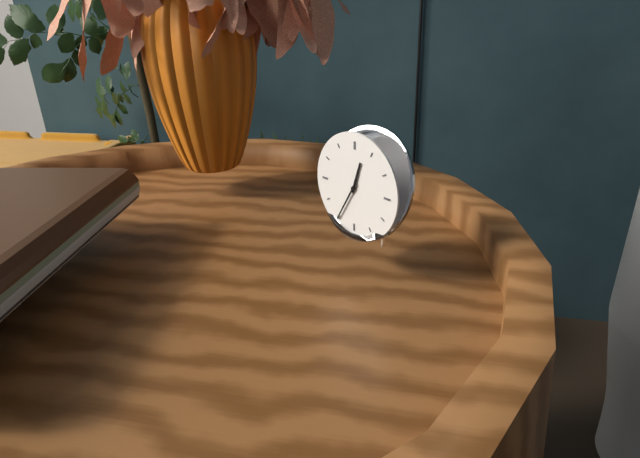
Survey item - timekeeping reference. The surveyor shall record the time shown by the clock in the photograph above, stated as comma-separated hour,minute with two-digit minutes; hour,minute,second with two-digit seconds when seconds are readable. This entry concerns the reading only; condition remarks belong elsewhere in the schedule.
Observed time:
12,35
